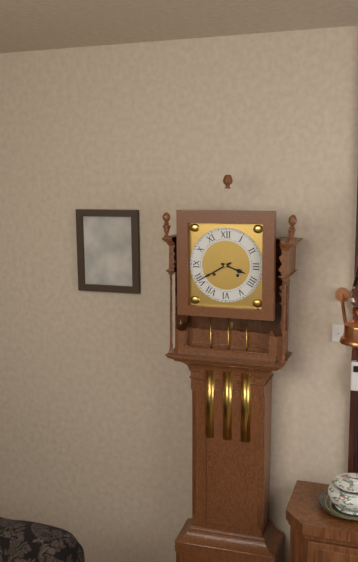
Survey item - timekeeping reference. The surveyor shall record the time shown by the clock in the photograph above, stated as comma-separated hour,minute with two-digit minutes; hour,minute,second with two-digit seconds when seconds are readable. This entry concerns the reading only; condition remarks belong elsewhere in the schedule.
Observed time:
3,40
